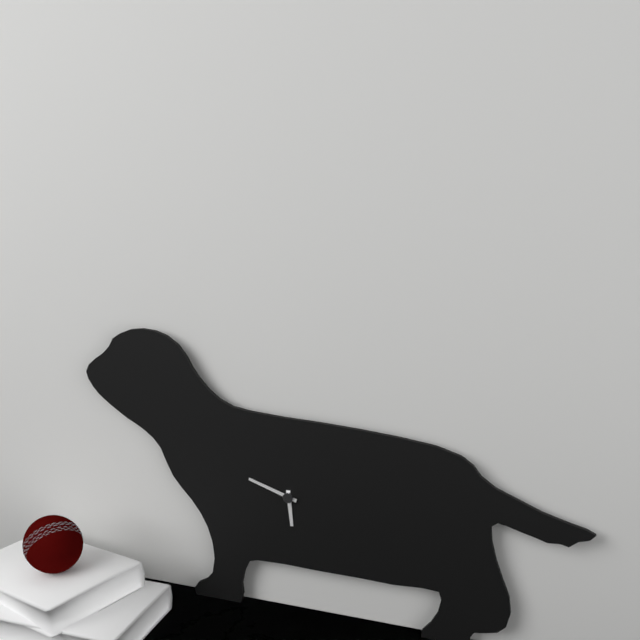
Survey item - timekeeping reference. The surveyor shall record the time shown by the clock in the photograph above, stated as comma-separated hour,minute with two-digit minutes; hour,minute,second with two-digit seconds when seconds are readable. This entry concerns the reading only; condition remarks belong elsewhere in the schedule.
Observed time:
5,48
